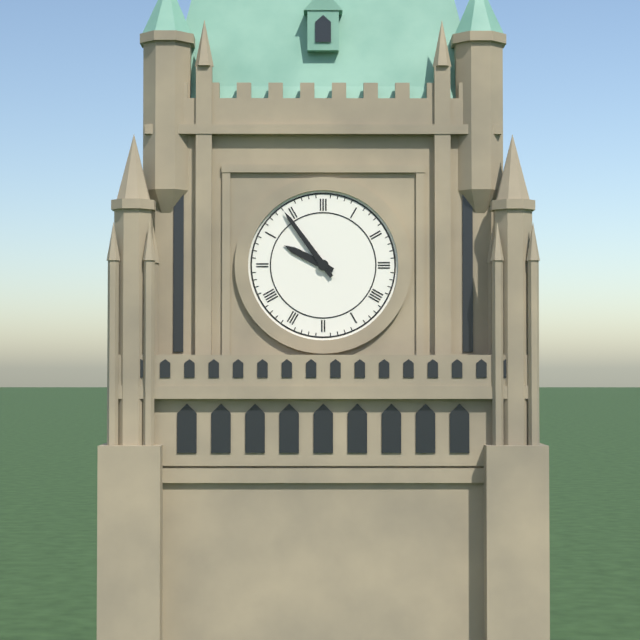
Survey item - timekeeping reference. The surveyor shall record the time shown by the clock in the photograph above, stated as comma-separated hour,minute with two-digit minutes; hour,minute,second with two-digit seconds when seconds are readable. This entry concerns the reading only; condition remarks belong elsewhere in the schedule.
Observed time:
9,54
